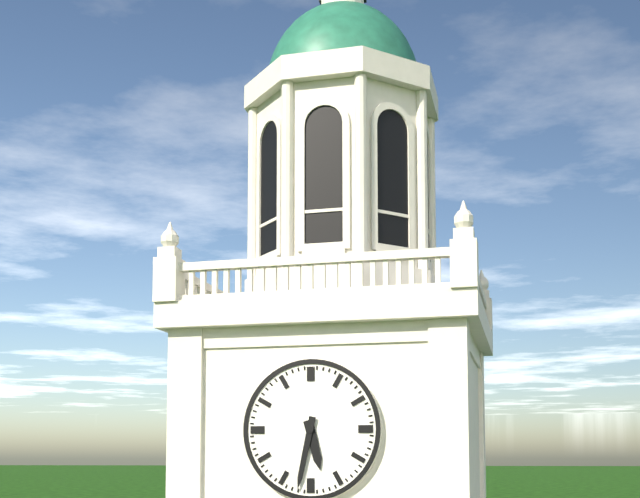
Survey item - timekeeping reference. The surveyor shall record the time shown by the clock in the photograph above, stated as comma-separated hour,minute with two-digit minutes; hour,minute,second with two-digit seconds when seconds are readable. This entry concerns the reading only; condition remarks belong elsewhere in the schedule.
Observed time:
5,32
